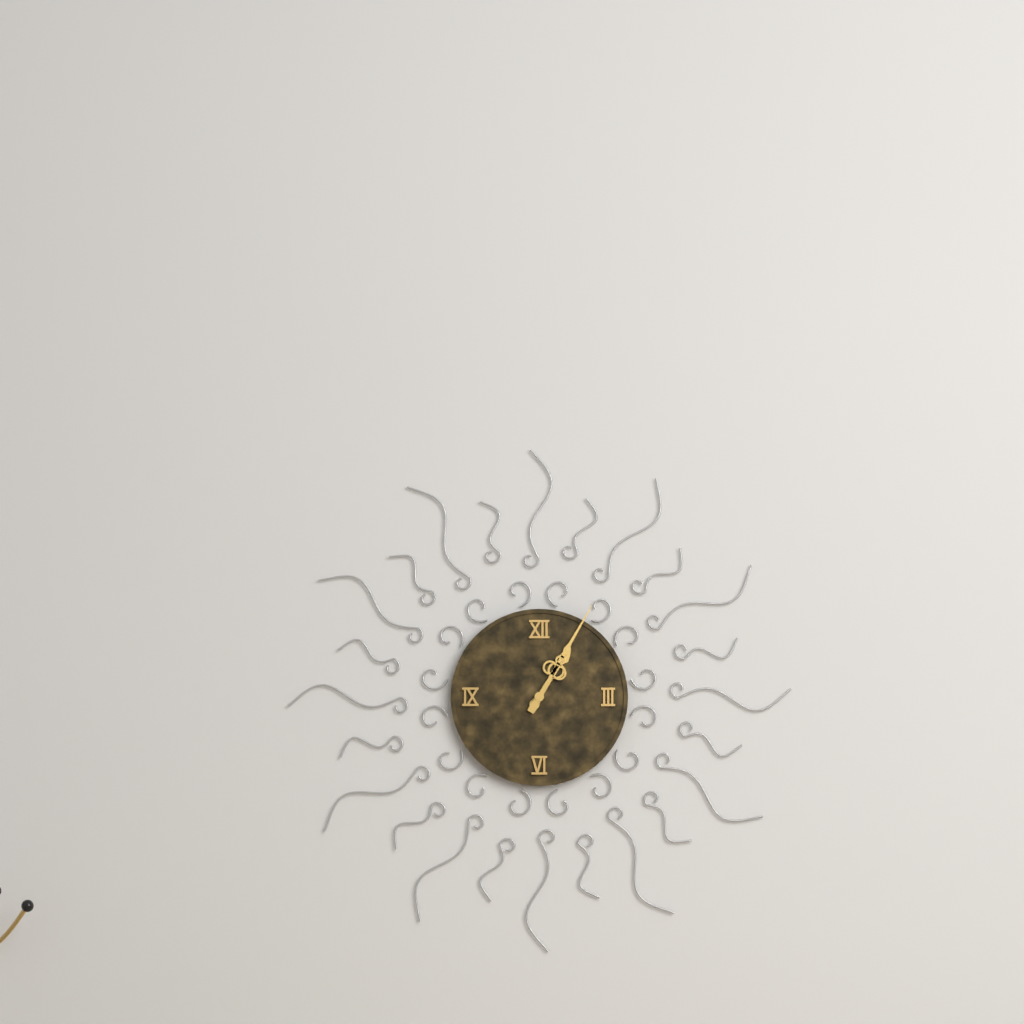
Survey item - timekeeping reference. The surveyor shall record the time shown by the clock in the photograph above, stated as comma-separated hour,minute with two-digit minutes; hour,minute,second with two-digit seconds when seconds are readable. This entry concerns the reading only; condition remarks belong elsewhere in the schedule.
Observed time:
1,05
